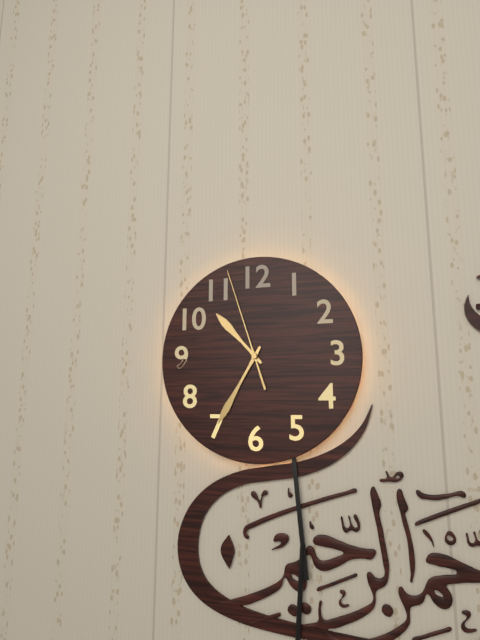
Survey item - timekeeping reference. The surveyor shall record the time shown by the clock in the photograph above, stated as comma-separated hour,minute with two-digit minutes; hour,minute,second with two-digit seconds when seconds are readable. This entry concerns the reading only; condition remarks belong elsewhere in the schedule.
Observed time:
10,35,57
